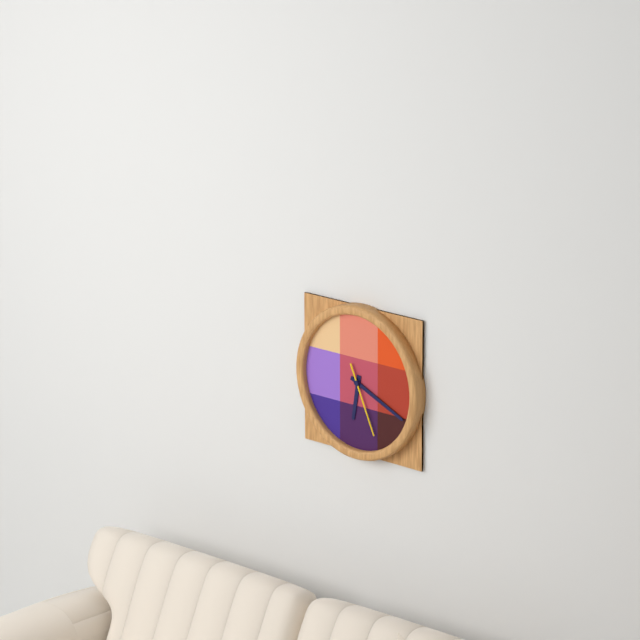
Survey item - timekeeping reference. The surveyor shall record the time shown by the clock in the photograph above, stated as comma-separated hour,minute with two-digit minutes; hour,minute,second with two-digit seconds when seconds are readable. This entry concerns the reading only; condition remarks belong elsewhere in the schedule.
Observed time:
6,19,26
